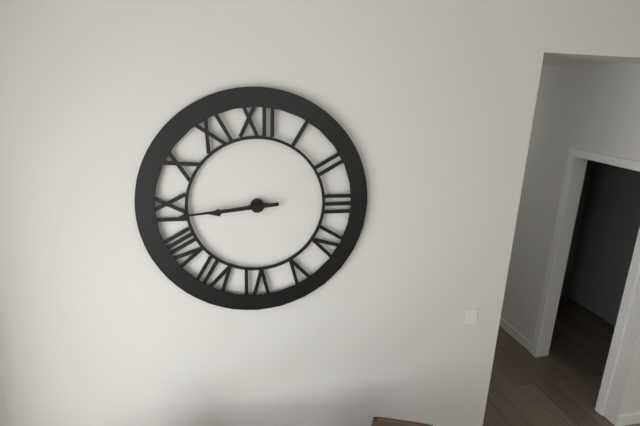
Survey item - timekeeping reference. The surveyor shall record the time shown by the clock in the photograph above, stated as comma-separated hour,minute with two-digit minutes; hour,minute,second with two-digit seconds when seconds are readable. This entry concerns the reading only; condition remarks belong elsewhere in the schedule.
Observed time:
8,44
